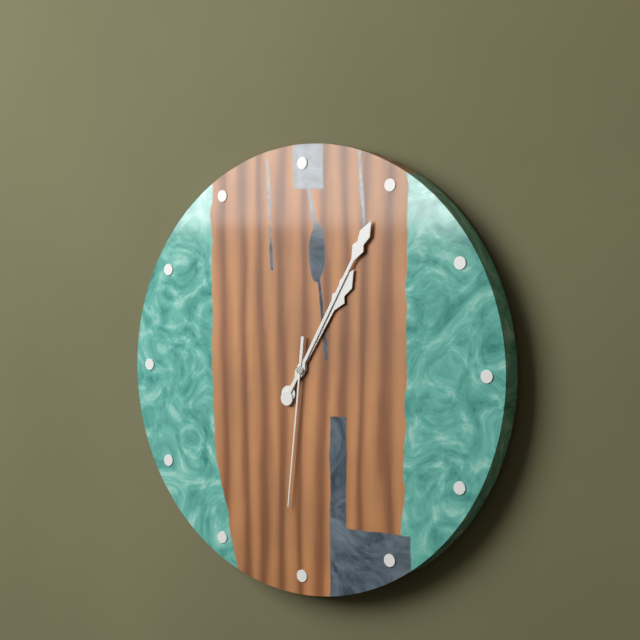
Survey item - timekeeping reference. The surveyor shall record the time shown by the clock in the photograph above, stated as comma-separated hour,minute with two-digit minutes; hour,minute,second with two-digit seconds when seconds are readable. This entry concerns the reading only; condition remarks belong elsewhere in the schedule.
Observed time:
1,05,31
